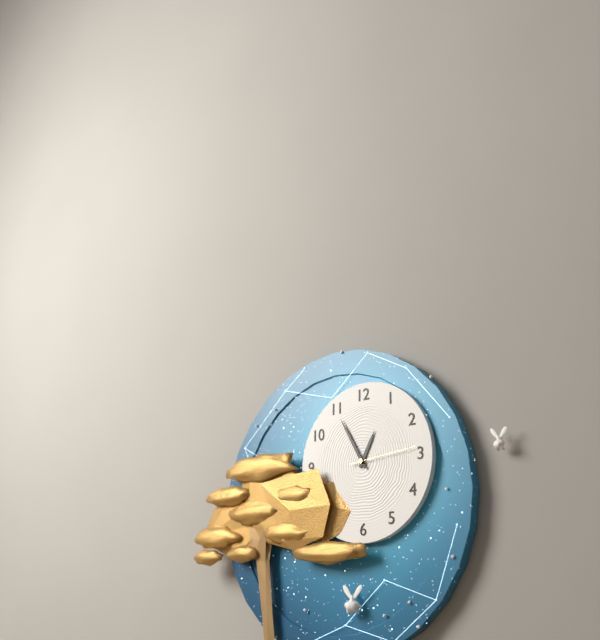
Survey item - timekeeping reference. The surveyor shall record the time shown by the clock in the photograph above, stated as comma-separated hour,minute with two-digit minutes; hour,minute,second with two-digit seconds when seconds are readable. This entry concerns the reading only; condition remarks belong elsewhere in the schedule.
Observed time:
12,55,14
